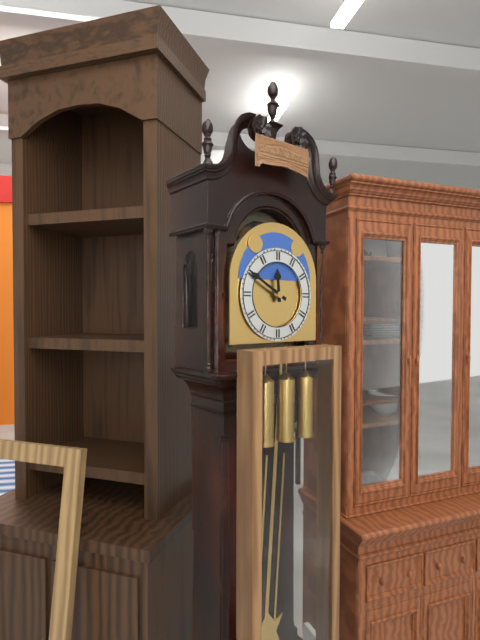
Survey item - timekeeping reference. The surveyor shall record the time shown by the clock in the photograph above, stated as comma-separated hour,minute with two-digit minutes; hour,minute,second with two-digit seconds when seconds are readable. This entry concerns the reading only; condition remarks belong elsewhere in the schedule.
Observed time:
11,50
